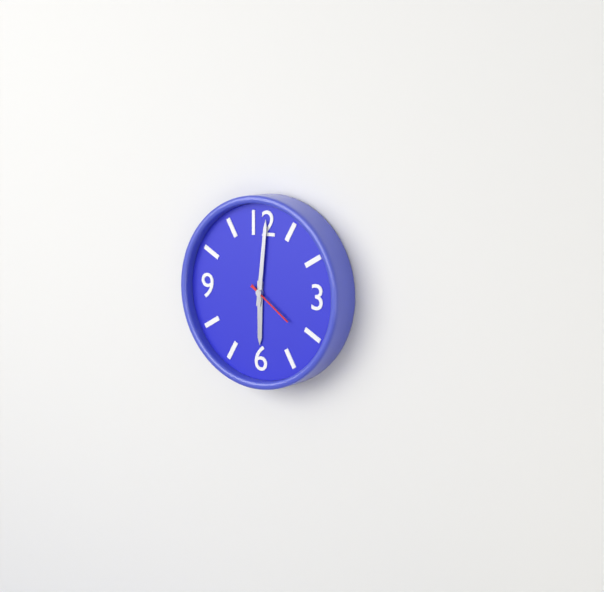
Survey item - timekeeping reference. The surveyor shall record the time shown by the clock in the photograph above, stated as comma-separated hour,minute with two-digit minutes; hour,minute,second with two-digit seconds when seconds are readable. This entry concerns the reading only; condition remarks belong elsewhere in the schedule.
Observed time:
6,01,21
